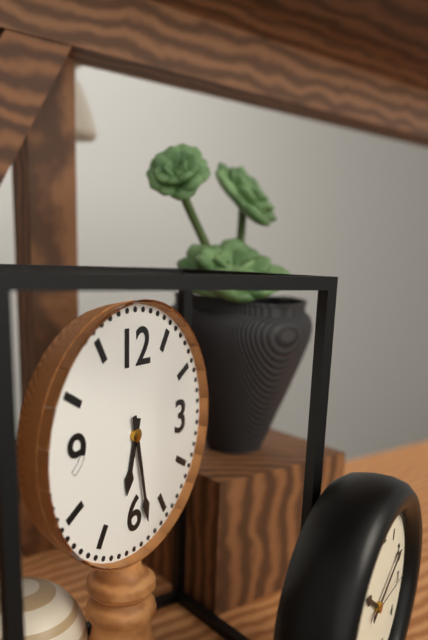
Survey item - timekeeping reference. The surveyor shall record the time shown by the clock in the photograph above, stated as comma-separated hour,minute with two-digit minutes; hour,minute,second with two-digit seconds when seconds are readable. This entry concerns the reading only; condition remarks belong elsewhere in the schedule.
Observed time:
6,28
